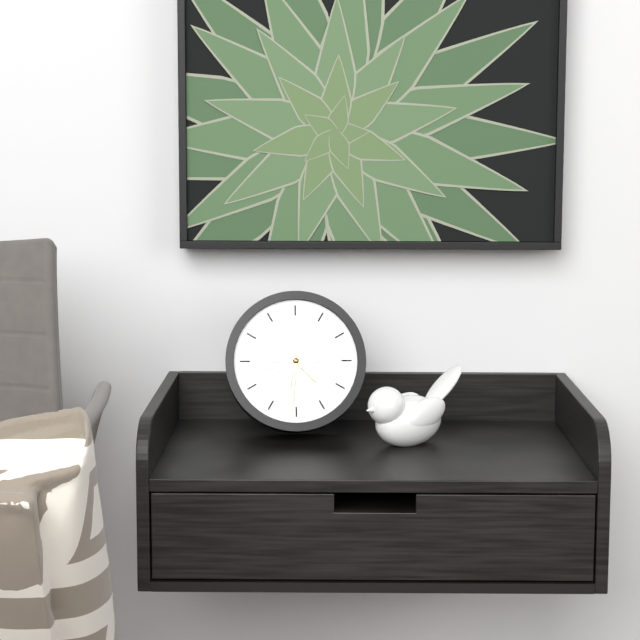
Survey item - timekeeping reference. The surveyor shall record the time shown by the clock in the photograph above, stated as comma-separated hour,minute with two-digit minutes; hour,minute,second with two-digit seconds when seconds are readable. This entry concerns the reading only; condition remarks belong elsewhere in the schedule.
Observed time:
4,31
